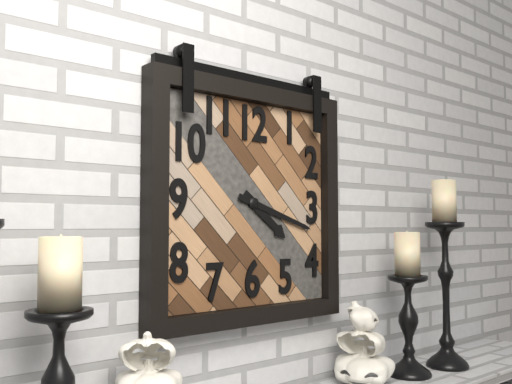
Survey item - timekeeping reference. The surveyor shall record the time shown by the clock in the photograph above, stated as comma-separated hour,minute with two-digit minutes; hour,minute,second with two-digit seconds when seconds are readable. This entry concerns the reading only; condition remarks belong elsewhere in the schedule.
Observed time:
4,18
